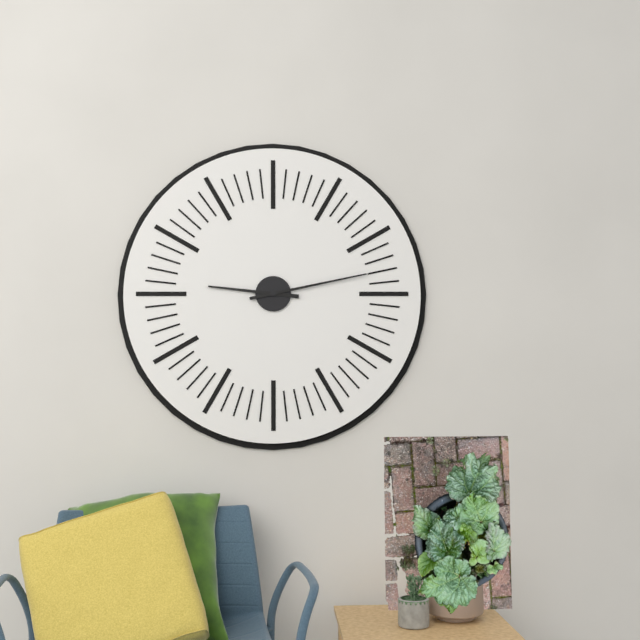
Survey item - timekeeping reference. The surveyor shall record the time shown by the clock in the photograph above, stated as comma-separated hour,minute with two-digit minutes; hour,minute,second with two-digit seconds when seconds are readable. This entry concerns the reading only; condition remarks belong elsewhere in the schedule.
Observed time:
9,13
